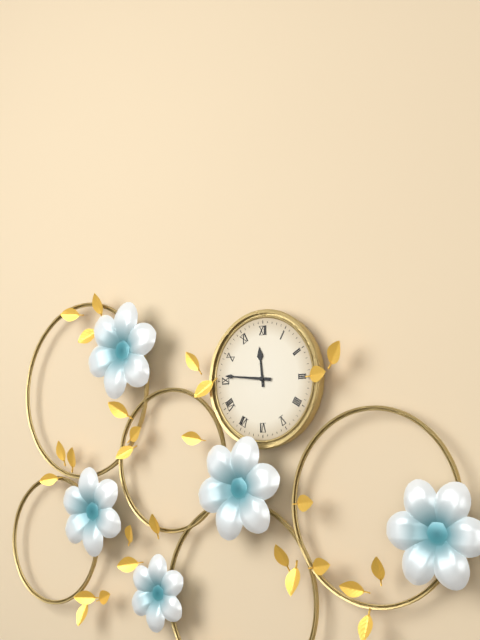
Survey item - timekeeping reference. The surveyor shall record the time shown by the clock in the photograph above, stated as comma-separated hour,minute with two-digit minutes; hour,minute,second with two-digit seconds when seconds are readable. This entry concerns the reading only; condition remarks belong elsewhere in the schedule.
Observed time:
11,46
